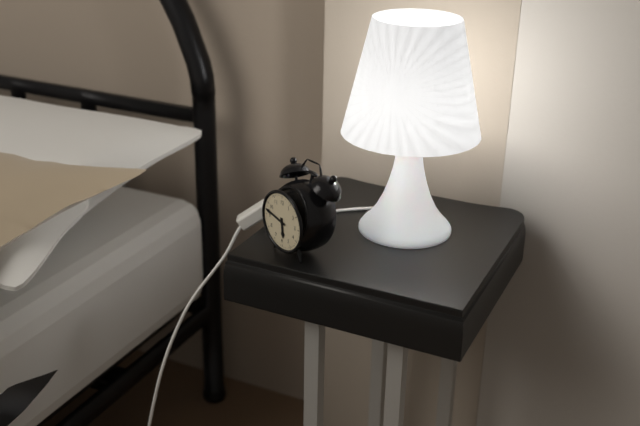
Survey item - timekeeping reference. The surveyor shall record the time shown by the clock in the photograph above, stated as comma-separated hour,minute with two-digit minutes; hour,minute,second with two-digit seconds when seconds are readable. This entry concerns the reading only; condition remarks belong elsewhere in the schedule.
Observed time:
5,47
